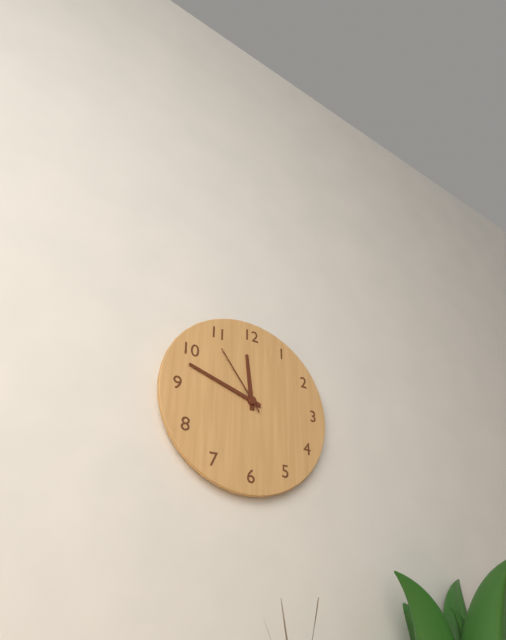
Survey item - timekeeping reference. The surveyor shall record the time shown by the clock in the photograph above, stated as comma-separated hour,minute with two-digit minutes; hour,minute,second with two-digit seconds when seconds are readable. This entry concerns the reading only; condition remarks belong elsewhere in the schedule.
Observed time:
11,48,54
